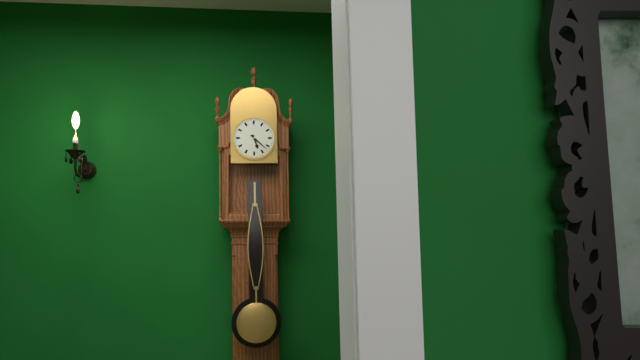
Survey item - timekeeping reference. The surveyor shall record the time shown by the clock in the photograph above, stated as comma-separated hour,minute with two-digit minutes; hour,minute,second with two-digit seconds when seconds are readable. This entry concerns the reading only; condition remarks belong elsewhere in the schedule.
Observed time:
5,22
